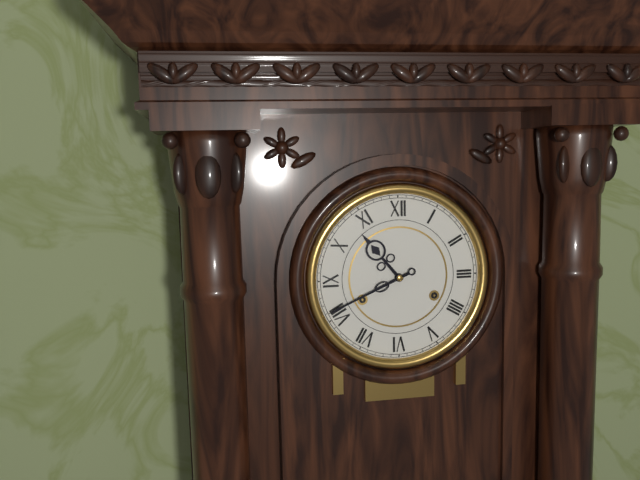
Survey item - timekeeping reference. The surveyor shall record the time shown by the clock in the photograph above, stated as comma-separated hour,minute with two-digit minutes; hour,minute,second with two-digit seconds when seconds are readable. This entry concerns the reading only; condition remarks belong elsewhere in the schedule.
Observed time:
10,41
